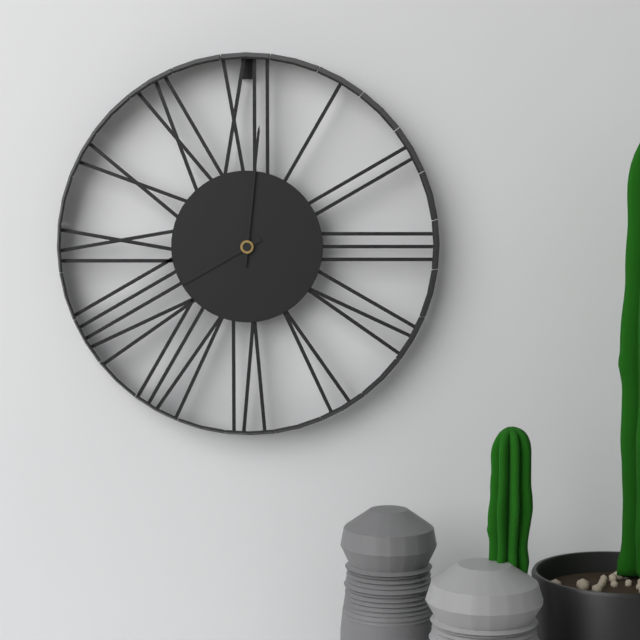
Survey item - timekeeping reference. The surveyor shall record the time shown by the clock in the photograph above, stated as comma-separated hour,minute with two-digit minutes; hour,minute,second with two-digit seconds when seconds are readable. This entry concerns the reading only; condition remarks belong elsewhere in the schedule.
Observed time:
8,01
